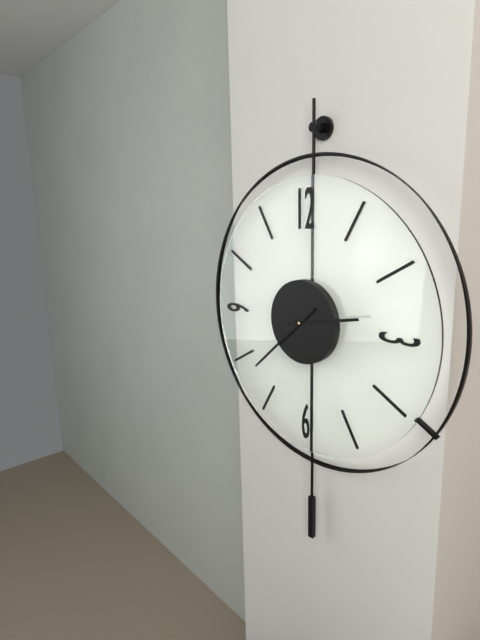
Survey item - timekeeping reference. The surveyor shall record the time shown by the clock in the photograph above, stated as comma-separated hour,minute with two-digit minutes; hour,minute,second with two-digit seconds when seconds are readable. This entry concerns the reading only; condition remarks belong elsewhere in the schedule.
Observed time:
2,38
